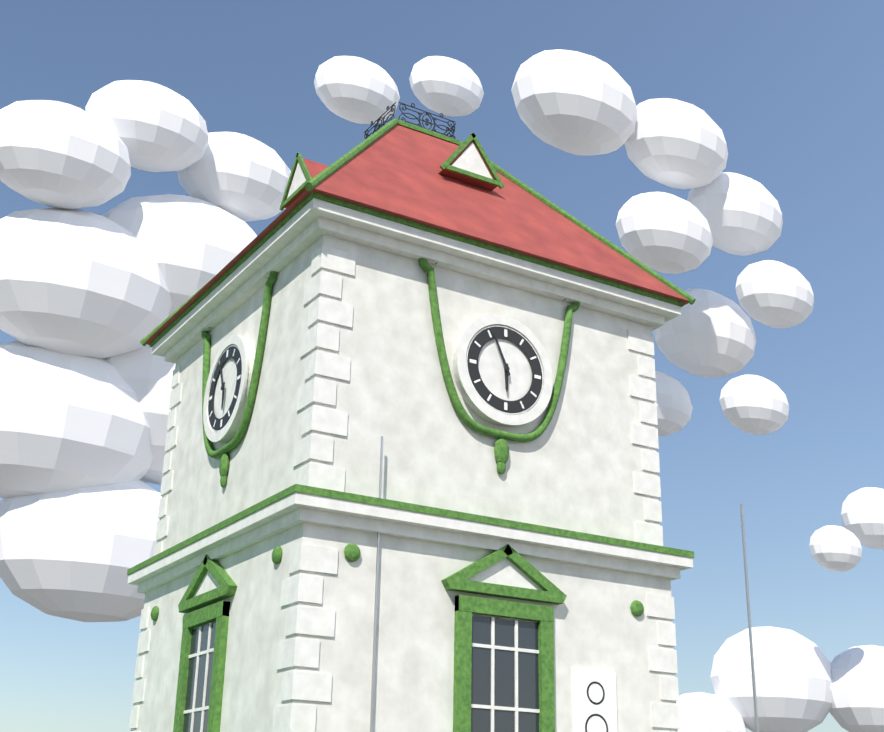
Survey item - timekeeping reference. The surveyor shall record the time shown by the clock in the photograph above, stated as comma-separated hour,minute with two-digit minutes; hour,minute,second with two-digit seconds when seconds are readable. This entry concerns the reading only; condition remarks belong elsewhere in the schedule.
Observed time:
5,56
